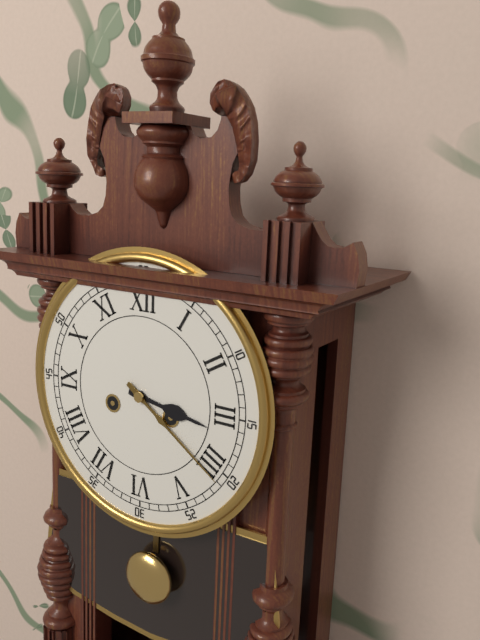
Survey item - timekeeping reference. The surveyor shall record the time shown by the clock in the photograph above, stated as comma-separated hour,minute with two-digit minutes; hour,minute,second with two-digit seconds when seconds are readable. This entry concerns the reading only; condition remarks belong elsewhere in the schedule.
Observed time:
3,21
